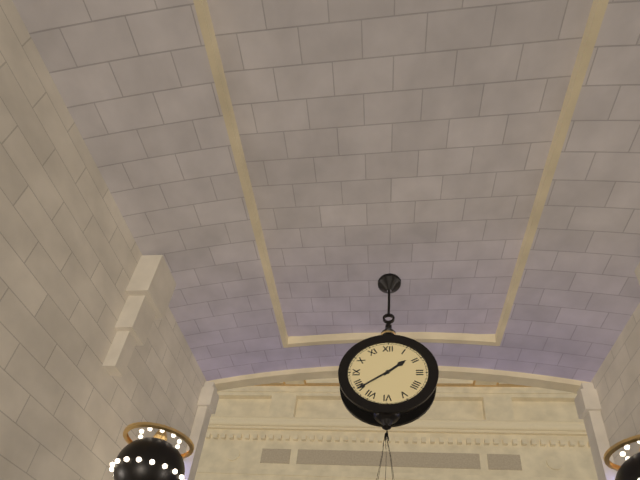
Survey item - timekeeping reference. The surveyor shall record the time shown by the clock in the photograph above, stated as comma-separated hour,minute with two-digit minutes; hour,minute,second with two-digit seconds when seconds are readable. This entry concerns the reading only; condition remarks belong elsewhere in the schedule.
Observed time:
1,39
